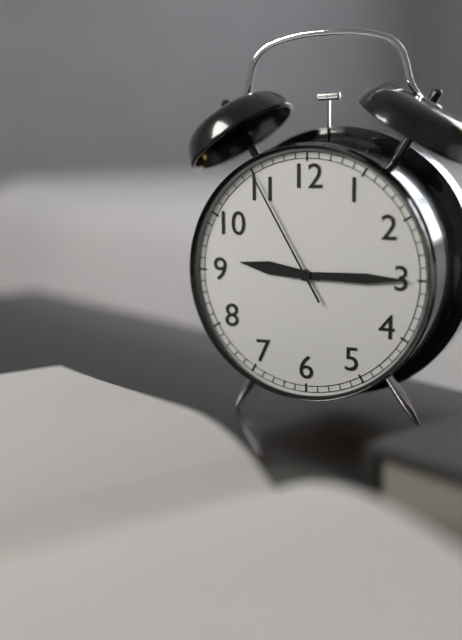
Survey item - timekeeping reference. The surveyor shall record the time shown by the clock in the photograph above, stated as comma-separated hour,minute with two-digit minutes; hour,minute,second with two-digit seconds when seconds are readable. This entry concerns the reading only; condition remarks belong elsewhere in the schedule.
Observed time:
9,15,55
